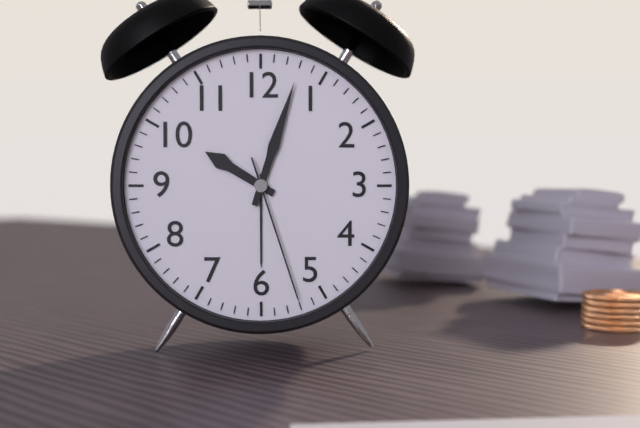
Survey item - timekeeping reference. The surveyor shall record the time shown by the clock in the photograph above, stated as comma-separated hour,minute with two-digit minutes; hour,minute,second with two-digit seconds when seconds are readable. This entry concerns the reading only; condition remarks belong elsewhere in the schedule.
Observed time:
10,03,27
